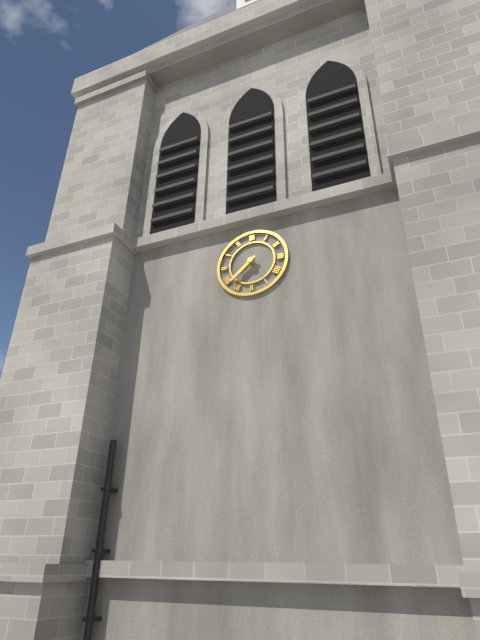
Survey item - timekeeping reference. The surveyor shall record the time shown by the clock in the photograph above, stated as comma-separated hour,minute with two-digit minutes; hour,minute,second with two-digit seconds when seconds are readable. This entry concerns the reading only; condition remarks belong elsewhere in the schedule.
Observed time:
7,38
